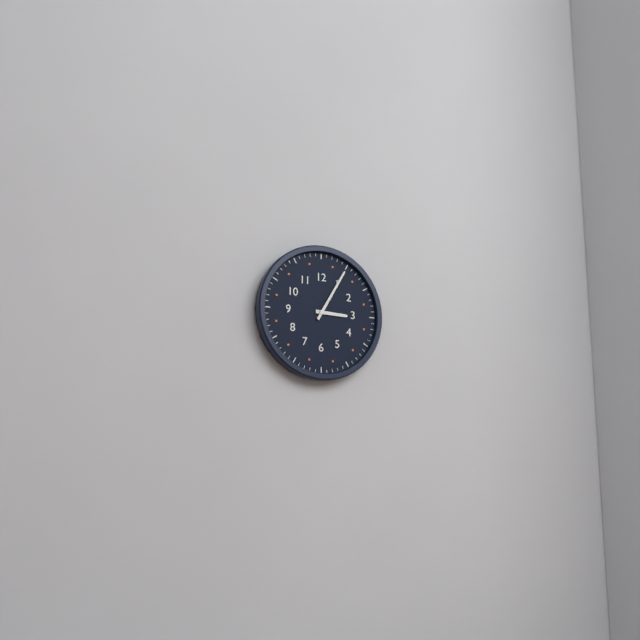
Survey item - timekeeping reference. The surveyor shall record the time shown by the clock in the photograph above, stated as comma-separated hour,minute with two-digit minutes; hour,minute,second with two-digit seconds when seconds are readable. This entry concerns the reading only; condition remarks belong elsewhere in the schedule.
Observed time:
3,05
